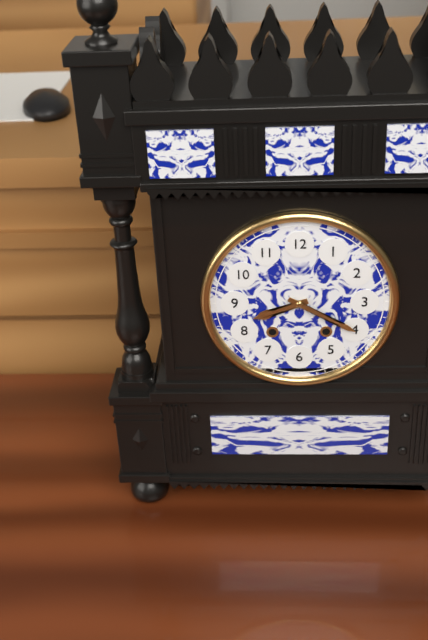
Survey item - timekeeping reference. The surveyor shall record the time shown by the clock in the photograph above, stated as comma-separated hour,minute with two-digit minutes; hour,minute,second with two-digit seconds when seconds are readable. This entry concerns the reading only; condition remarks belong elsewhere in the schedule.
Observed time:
8,20
